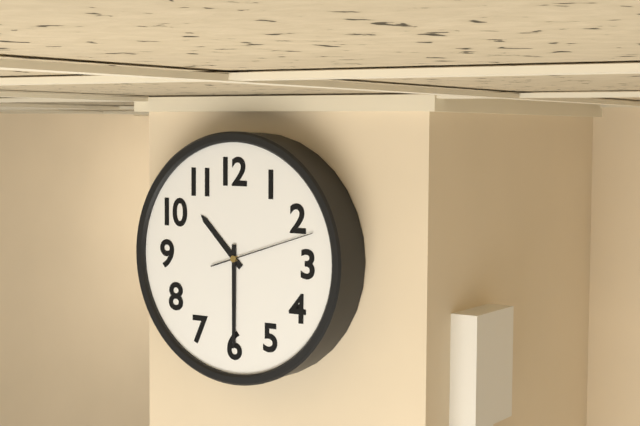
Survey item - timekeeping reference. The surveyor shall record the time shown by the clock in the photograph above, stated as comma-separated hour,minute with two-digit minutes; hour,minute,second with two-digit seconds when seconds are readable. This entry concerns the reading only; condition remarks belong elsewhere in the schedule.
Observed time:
10,30,12
